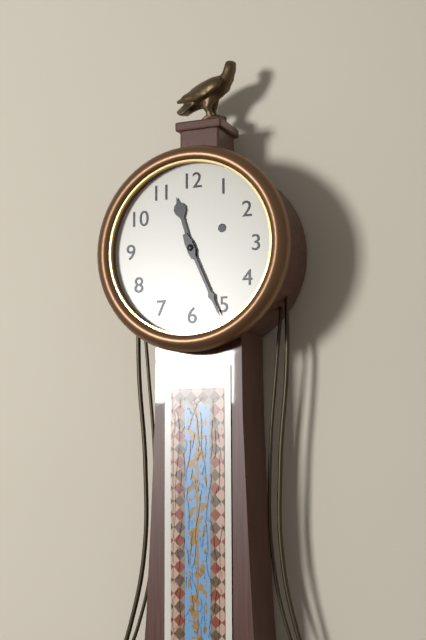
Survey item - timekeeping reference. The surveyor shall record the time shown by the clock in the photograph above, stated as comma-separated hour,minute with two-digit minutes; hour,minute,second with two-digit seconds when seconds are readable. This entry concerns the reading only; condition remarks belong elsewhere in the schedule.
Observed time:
11,26
